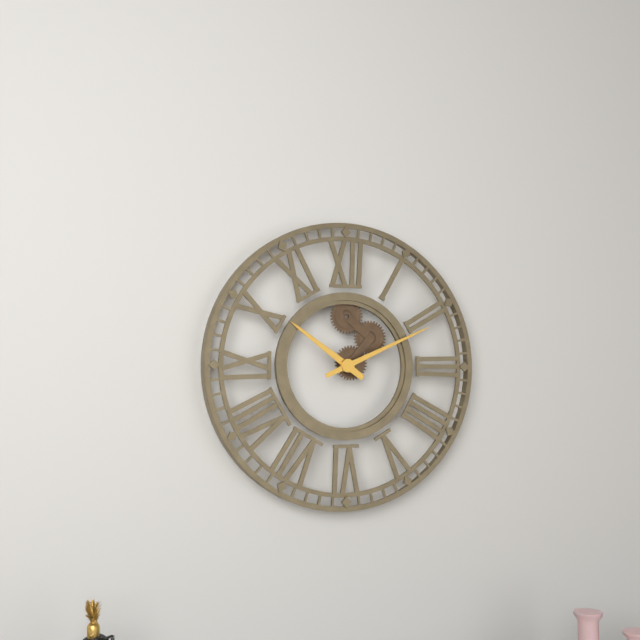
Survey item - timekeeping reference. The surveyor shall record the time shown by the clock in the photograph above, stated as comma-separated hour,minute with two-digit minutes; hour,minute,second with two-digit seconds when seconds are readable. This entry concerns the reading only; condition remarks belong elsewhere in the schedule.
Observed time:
10,11
